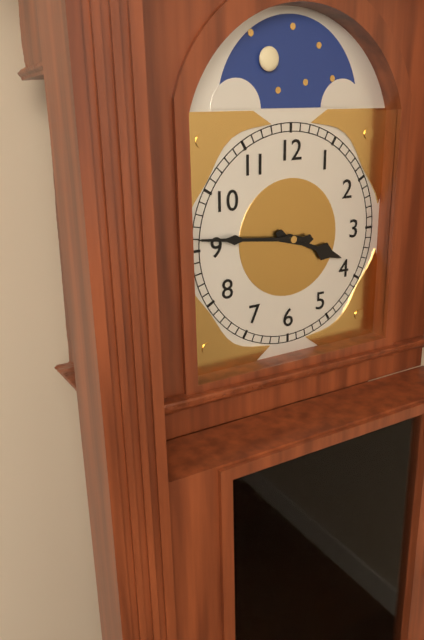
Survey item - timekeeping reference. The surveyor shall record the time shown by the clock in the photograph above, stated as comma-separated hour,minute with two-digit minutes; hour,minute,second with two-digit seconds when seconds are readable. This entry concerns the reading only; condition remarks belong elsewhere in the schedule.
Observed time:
3,46
